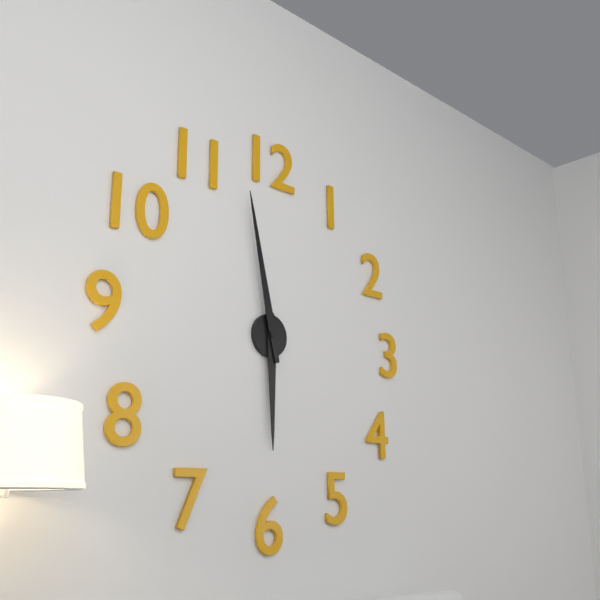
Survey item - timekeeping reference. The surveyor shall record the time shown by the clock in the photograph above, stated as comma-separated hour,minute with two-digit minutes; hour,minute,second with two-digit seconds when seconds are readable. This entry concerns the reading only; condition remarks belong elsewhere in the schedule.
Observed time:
5,58
